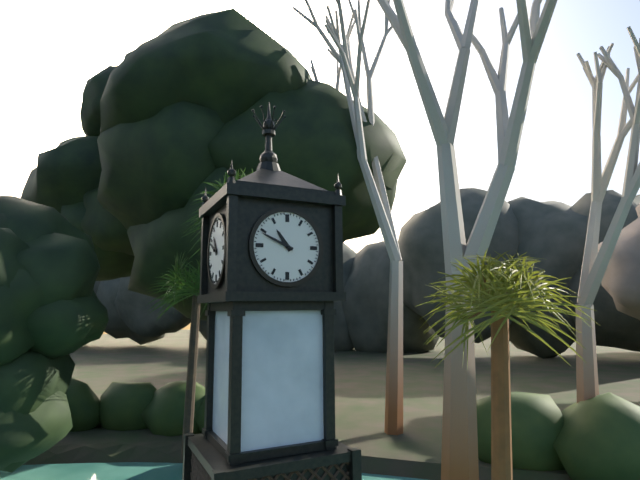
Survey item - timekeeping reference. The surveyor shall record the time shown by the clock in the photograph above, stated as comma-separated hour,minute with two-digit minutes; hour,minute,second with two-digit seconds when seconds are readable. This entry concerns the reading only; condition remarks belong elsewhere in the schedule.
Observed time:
10,49
